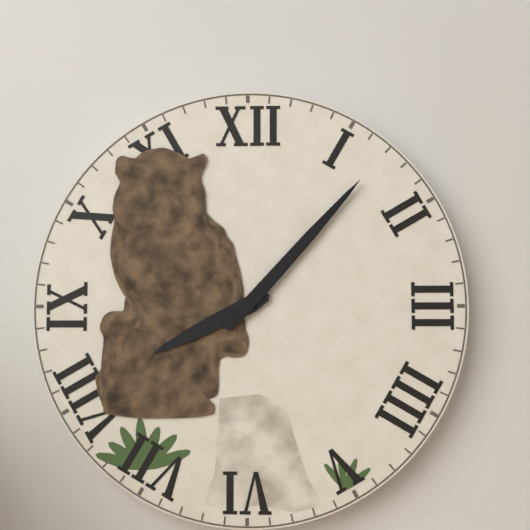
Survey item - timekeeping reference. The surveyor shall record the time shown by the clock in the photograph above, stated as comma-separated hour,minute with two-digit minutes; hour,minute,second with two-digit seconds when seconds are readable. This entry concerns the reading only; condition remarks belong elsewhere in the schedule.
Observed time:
8,07
